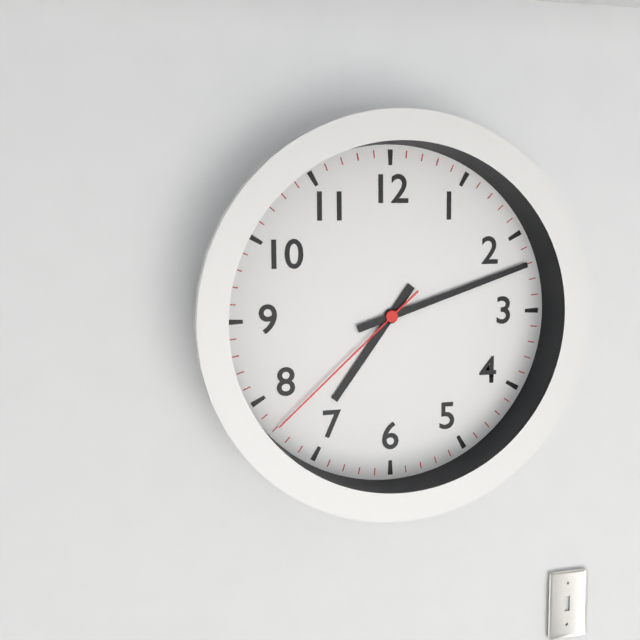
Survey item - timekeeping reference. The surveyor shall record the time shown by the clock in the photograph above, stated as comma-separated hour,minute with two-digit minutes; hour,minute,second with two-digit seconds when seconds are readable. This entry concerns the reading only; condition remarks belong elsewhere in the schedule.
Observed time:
7,12,38
